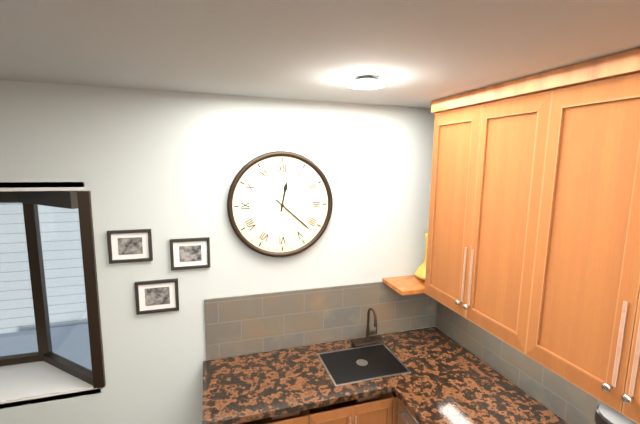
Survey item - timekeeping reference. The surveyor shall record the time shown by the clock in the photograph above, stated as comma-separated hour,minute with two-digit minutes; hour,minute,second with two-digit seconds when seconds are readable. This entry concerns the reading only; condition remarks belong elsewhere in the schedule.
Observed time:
12,22
